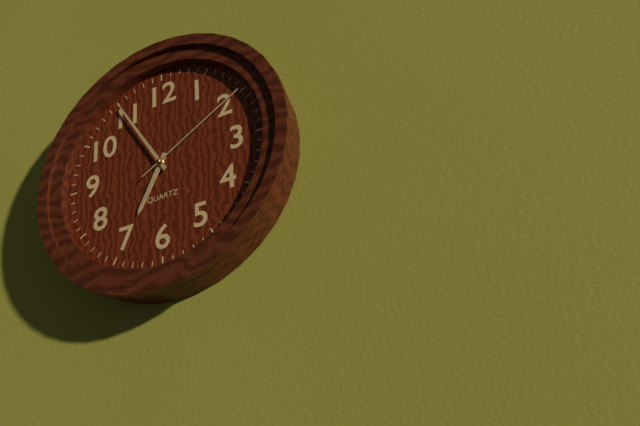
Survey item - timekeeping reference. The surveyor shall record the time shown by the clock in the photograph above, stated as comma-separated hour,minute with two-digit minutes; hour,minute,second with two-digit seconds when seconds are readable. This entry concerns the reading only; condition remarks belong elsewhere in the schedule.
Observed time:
6,55,10
